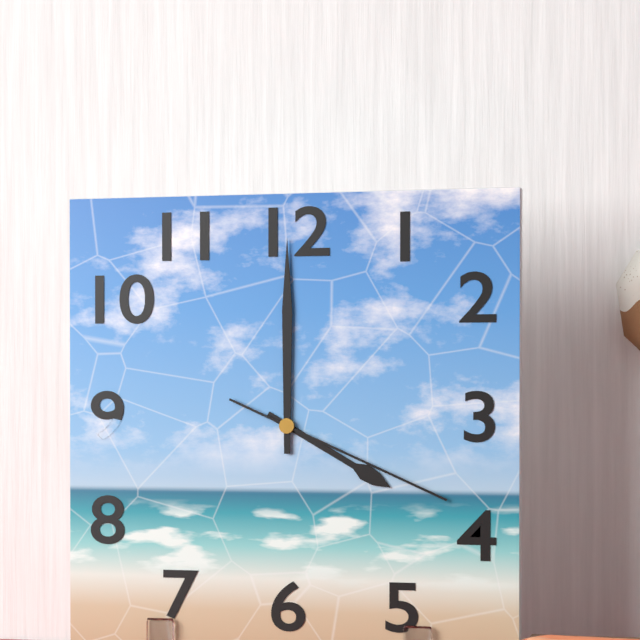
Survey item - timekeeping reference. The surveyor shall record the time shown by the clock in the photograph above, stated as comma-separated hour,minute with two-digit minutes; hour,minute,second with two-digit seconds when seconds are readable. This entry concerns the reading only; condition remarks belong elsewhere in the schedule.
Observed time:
4,00,19
